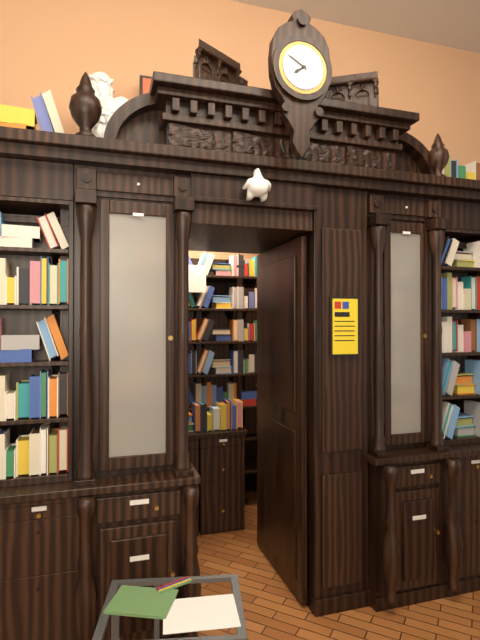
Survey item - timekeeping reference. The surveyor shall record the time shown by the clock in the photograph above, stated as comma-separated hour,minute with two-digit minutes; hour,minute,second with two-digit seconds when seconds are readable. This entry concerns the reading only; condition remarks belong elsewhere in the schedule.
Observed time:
7,50
